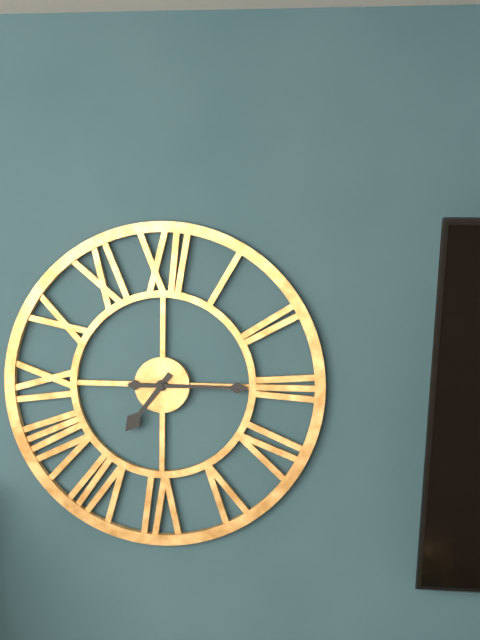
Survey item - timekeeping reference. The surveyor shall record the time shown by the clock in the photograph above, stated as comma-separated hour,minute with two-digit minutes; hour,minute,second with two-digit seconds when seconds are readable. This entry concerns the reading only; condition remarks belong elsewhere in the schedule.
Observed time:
7,15
